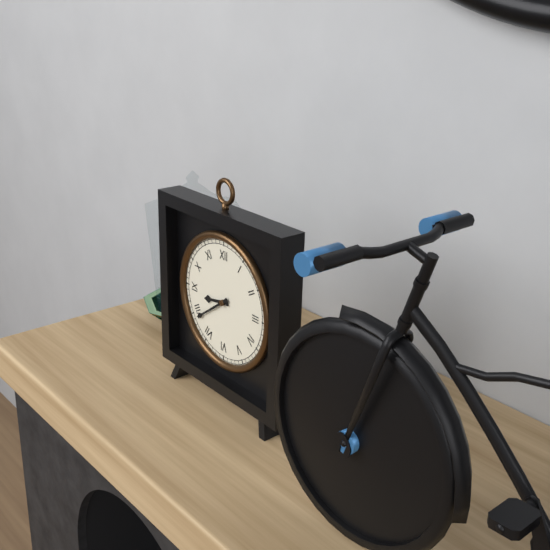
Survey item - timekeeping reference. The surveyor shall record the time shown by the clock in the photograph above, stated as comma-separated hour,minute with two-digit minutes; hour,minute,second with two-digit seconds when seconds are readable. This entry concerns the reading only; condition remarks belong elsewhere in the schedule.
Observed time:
8,39
